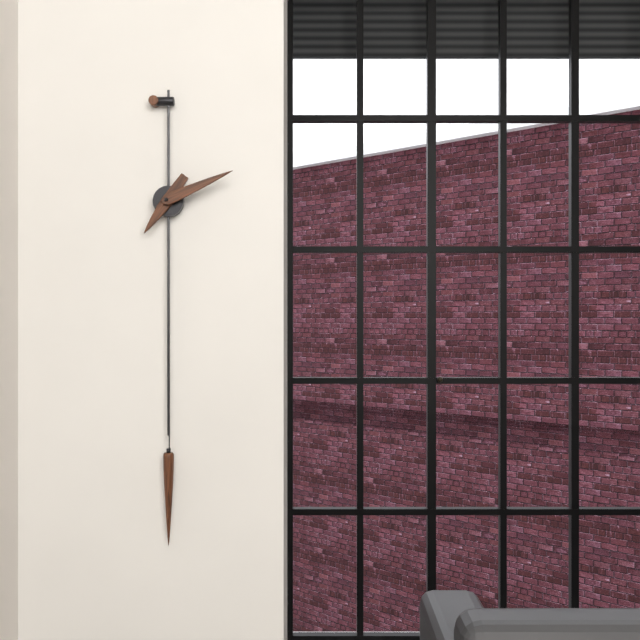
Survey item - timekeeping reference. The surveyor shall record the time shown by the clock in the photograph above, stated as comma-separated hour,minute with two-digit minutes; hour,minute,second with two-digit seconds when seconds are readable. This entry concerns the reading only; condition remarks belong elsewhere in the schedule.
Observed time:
7,11
